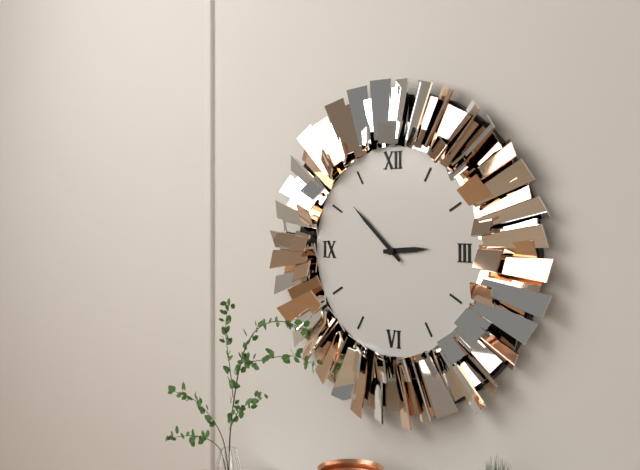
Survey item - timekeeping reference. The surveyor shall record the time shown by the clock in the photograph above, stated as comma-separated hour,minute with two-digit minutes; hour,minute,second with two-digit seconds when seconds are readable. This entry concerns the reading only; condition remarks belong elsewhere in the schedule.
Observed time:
2,52
